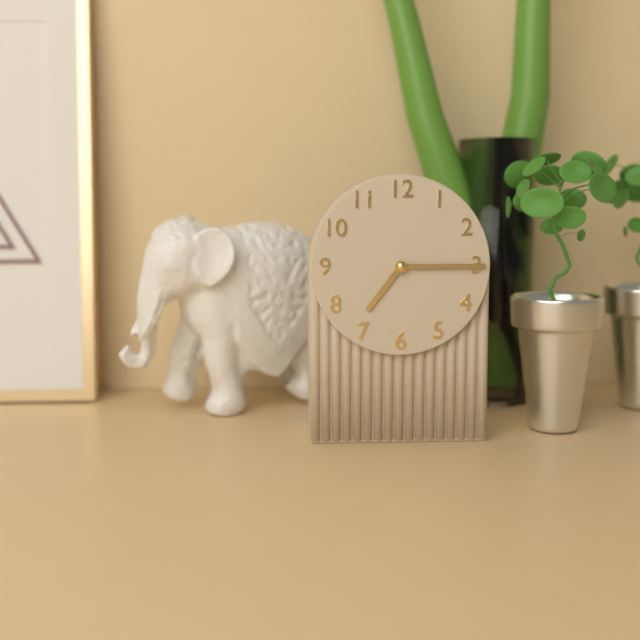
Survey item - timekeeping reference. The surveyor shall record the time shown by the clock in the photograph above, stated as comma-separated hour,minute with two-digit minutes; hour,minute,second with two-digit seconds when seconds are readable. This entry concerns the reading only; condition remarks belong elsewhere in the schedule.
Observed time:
7,15
